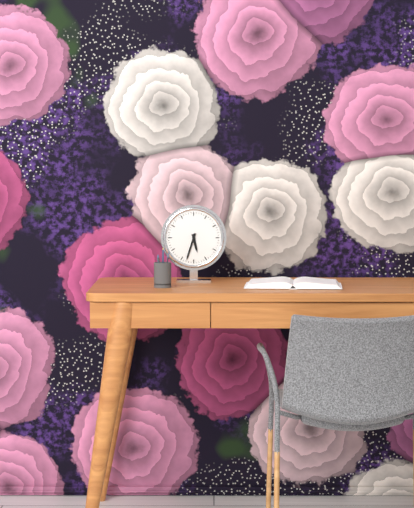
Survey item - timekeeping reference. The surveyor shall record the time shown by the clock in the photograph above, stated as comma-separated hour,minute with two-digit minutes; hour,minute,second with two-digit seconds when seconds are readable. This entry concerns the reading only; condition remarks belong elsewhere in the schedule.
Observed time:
5,33
